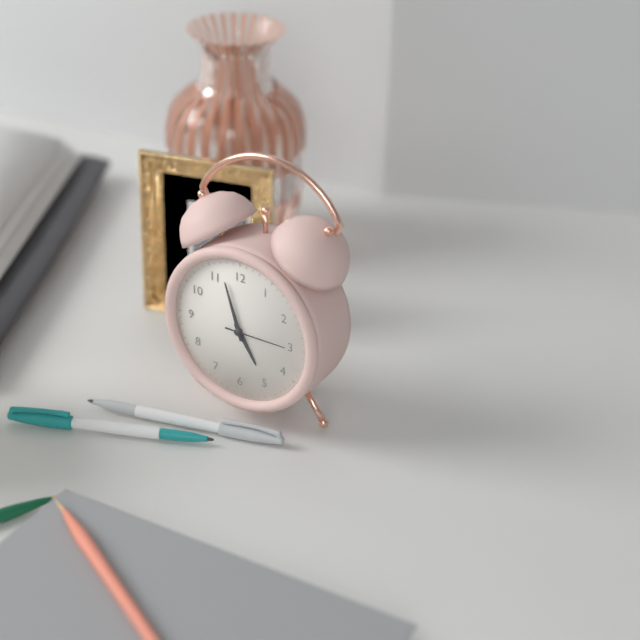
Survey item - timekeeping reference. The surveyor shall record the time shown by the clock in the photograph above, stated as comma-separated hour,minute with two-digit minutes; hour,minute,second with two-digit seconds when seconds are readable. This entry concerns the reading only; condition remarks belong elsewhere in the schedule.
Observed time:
4,57,15
